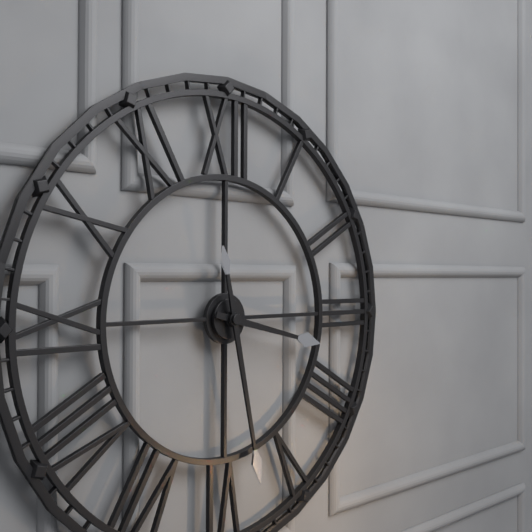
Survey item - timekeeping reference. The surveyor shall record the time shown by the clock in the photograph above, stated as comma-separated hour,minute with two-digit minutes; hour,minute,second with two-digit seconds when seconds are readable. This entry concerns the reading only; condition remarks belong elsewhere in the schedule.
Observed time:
3,28
